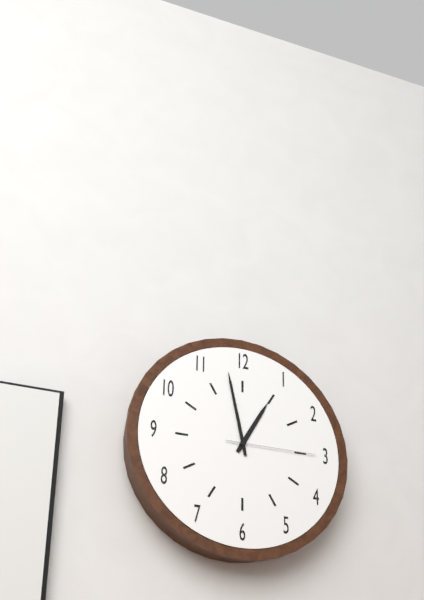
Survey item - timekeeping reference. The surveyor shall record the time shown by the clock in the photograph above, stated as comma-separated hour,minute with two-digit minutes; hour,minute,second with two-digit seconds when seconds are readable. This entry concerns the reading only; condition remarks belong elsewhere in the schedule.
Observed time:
12,58,15
